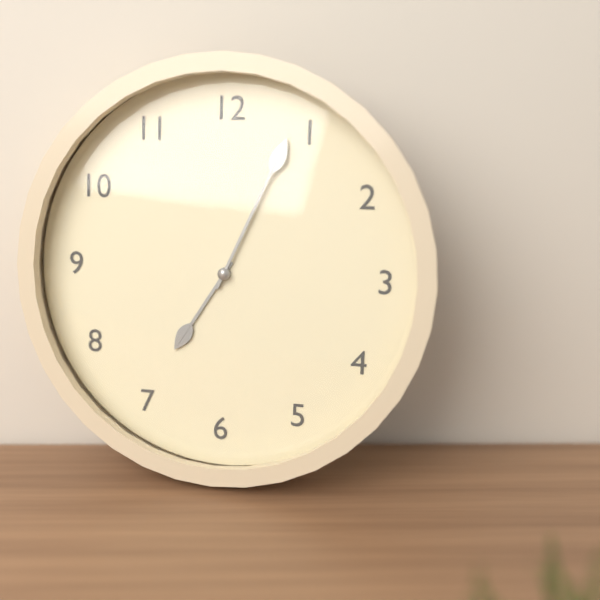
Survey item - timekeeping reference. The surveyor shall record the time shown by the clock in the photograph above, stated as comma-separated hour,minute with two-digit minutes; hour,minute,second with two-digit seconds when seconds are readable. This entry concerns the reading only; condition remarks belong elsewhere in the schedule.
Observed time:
7,04
